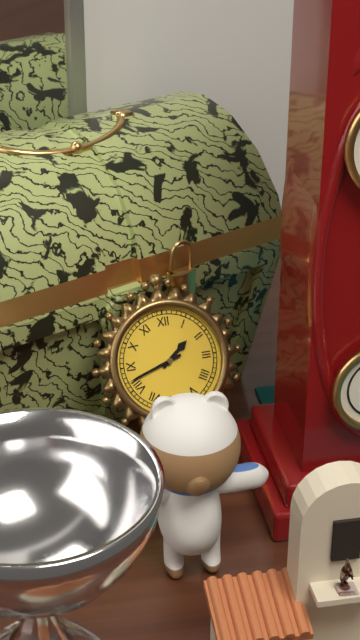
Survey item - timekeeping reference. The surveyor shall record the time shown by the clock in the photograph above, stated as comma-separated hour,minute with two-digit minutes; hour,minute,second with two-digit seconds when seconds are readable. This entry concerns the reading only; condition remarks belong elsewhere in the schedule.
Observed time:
1,42
